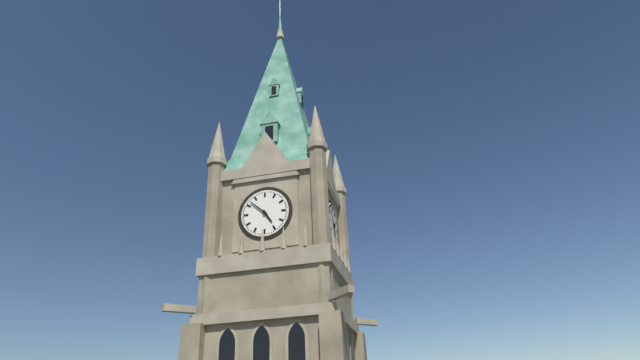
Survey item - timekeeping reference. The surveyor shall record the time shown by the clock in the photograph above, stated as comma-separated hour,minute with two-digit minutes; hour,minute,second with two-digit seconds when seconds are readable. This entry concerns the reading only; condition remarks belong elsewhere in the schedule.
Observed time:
4,52
